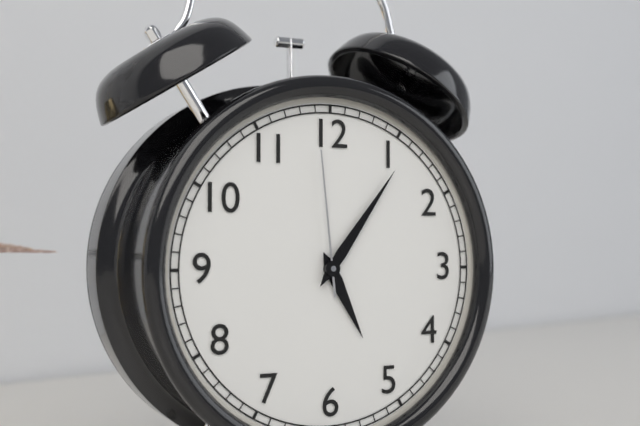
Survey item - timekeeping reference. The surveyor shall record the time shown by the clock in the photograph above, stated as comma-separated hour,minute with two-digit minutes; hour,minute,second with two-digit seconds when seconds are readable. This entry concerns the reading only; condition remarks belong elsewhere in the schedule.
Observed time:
5,06,59
